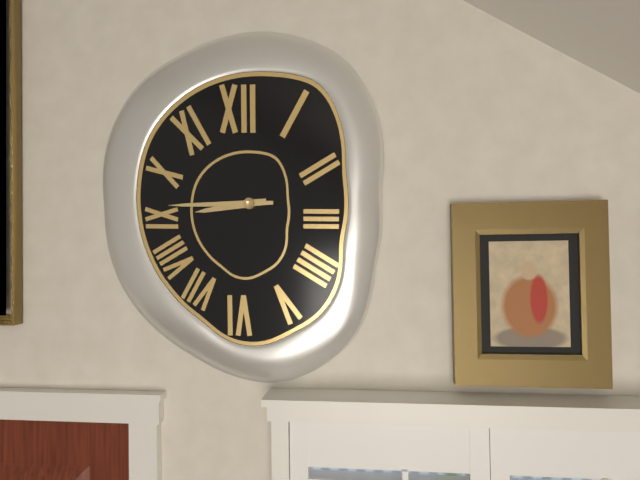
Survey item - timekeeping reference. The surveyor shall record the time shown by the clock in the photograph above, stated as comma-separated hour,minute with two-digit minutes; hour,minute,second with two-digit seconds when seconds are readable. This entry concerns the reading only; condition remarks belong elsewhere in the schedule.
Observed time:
8,45
